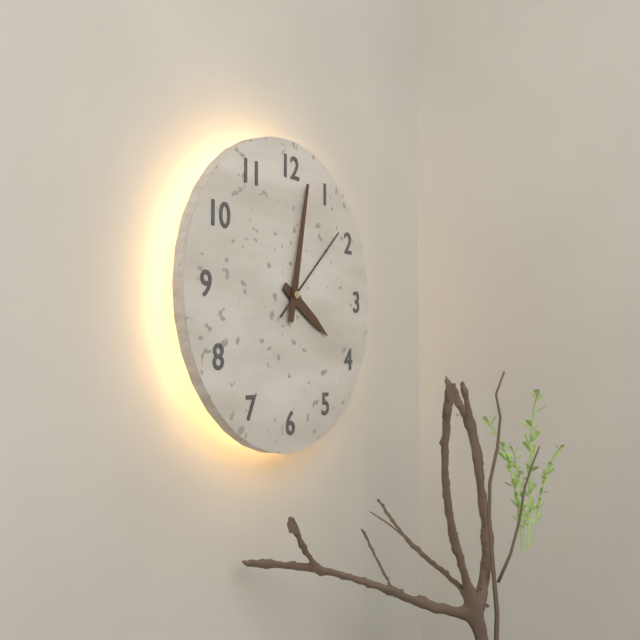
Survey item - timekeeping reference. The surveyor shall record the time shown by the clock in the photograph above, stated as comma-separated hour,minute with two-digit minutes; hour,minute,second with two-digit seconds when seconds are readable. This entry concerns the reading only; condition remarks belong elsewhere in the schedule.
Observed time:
4,02,08
